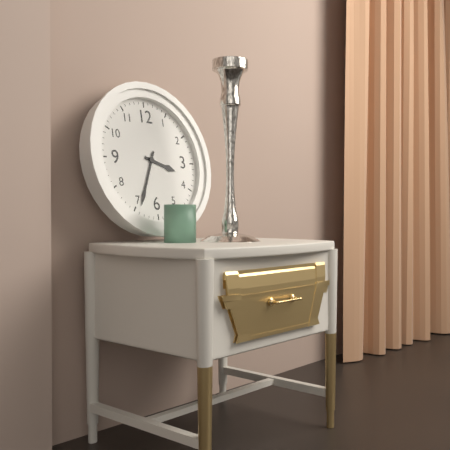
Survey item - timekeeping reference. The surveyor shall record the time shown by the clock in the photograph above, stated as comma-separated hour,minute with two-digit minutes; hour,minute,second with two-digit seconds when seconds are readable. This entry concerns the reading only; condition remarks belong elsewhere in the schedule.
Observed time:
3,34
